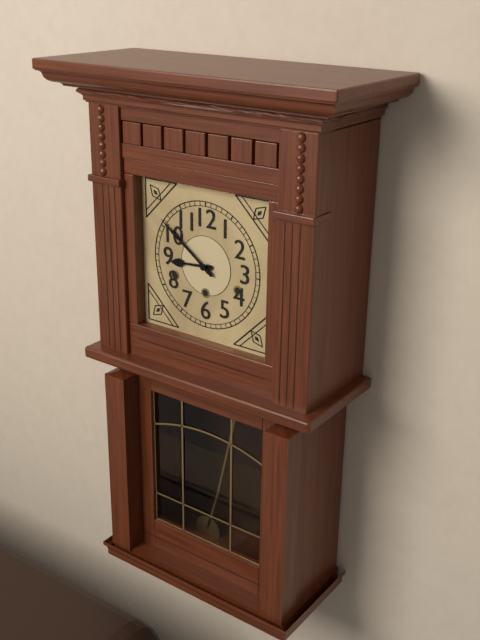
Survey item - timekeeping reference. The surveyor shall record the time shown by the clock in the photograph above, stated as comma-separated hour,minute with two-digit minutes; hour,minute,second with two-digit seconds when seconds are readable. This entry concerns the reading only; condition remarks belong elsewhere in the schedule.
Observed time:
8,51
